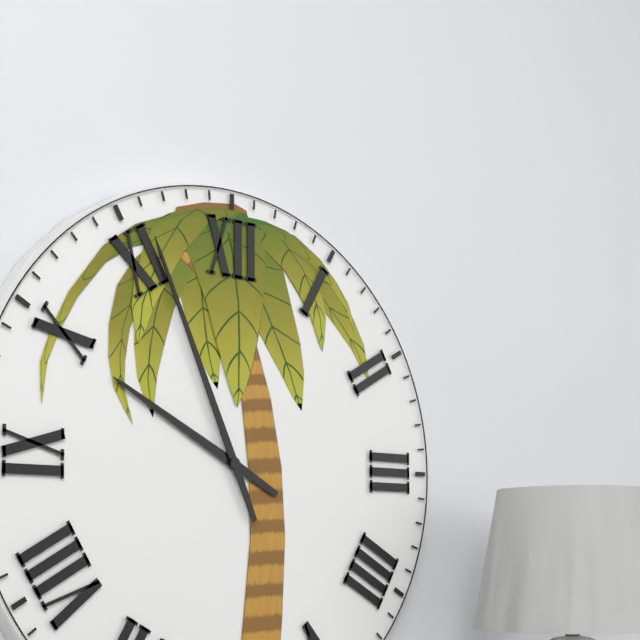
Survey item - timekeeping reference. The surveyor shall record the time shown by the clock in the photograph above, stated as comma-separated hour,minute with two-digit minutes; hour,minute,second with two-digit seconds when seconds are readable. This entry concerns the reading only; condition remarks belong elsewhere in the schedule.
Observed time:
9,56
